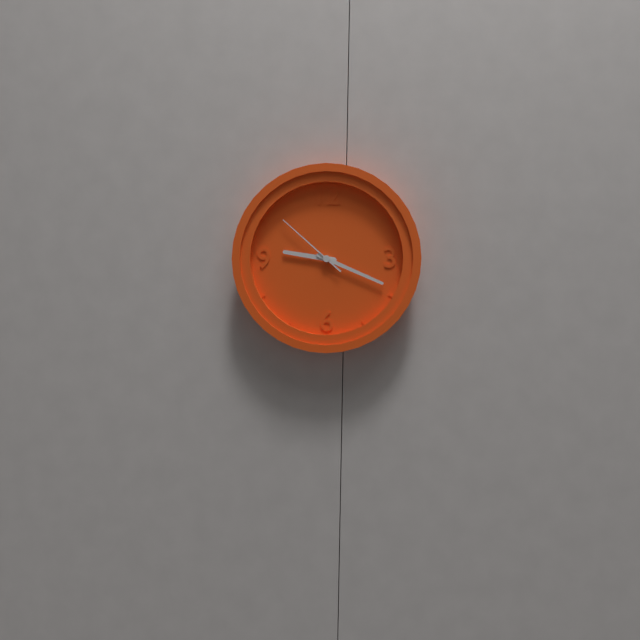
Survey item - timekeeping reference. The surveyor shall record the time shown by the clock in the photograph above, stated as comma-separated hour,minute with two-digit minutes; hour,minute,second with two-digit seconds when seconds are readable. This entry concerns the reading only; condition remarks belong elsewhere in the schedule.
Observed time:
9,19,52
